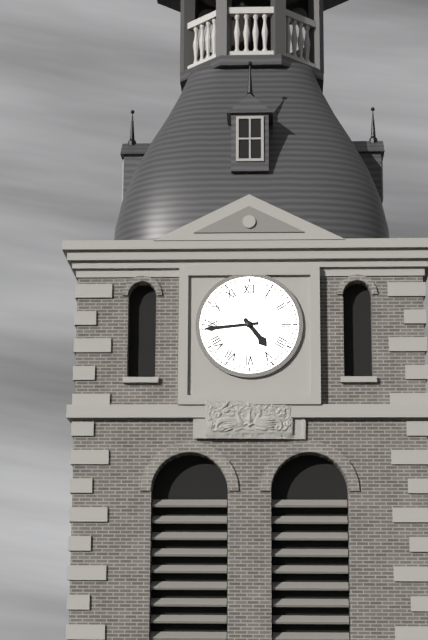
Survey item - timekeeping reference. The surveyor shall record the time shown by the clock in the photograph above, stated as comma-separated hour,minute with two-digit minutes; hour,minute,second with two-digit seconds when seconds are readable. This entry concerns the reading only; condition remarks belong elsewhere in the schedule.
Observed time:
4,44
